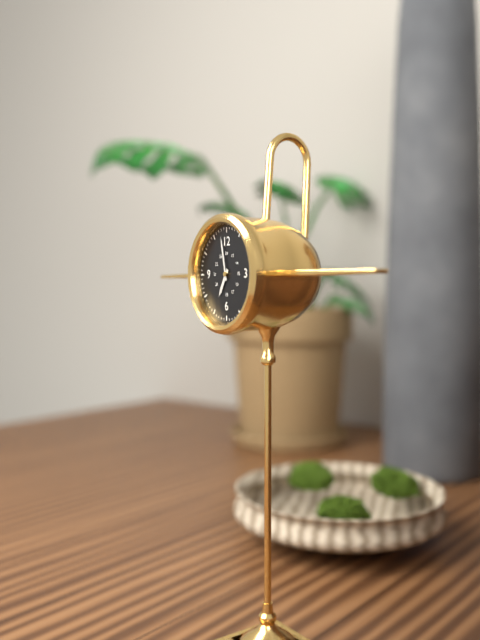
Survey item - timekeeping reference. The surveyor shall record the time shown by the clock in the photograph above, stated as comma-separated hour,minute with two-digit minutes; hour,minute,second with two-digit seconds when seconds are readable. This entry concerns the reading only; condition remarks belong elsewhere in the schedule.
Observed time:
6,58
